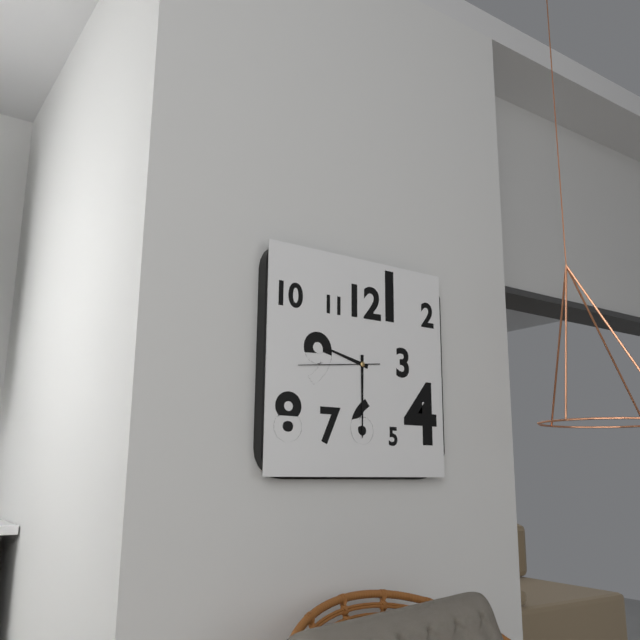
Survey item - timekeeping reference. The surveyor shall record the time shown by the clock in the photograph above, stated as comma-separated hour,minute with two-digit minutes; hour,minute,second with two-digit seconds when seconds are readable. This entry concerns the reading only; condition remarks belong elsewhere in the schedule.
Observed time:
9,30,44
